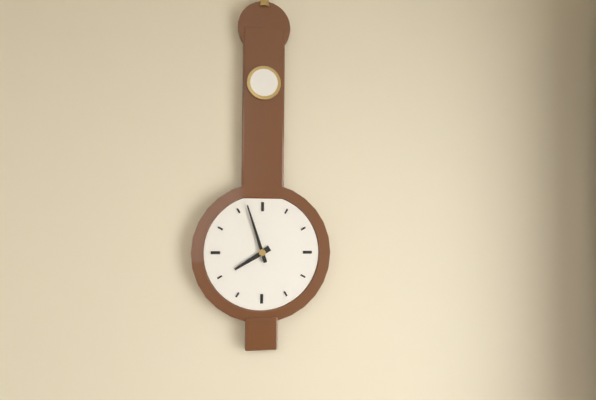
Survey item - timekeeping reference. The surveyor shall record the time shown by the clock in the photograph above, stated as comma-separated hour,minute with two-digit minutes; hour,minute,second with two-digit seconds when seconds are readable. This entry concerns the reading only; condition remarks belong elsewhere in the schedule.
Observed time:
7,57
